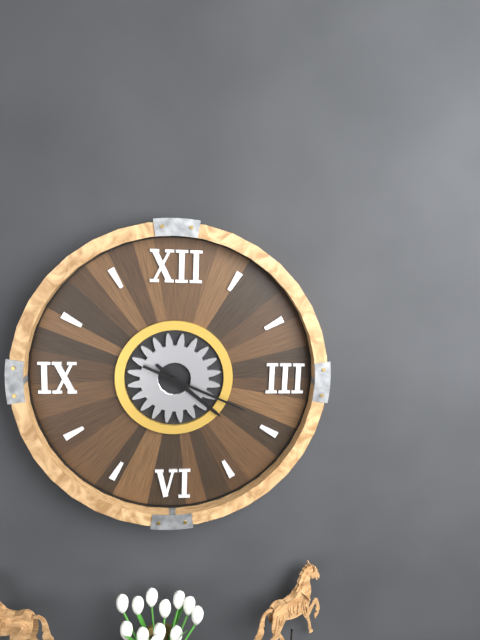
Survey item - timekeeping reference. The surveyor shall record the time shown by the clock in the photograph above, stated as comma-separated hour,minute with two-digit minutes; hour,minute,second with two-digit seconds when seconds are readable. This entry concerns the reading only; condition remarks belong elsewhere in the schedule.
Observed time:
4,19
